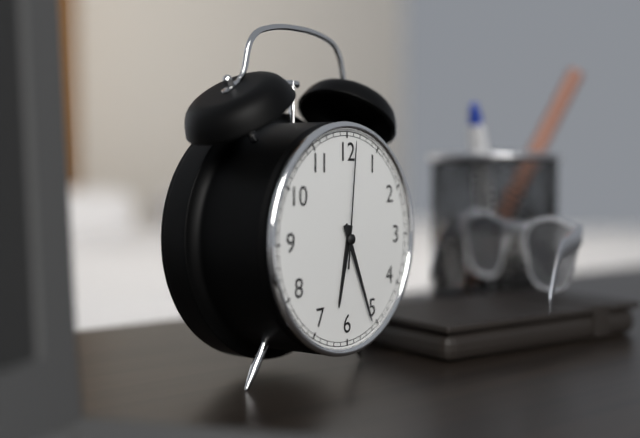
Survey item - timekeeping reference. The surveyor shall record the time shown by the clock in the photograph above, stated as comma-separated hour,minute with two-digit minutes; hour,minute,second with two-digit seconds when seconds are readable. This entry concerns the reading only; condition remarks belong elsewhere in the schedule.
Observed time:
6,26,01
